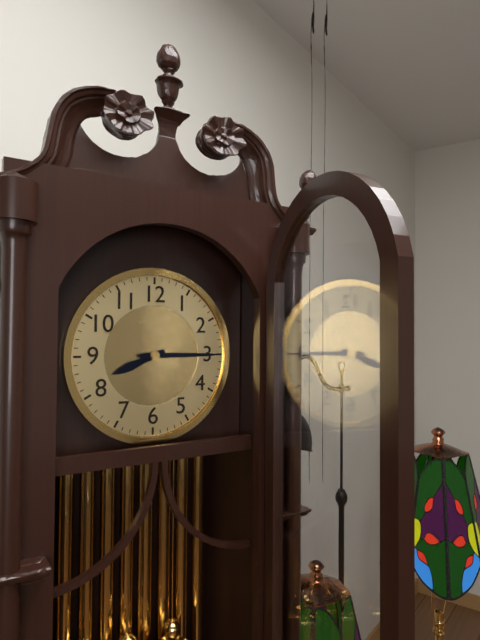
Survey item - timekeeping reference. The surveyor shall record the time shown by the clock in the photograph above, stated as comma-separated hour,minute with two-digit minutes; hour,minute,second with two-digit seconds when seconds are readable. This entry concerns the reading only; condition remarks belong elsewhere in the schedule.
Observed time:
8,15
